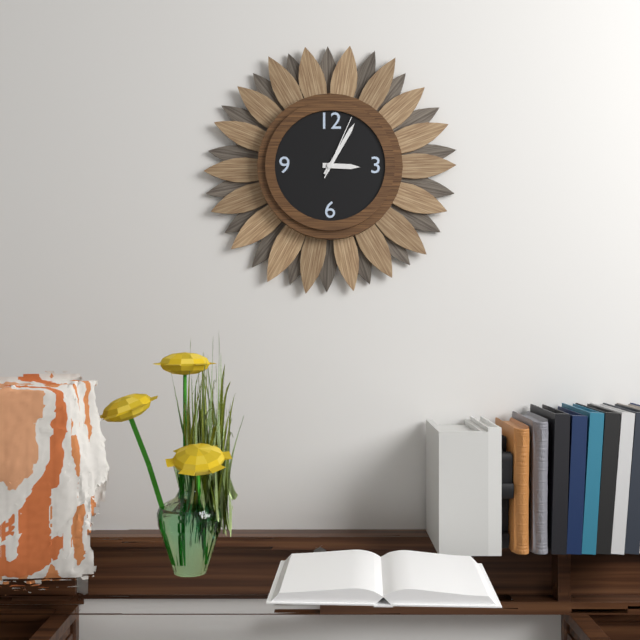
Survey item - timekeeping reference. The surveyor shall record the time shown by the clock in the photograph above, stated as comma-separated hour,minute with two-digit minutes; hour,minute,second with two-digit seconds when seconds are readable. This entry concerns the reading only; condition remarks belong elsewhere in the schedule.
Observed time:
3,05,04
